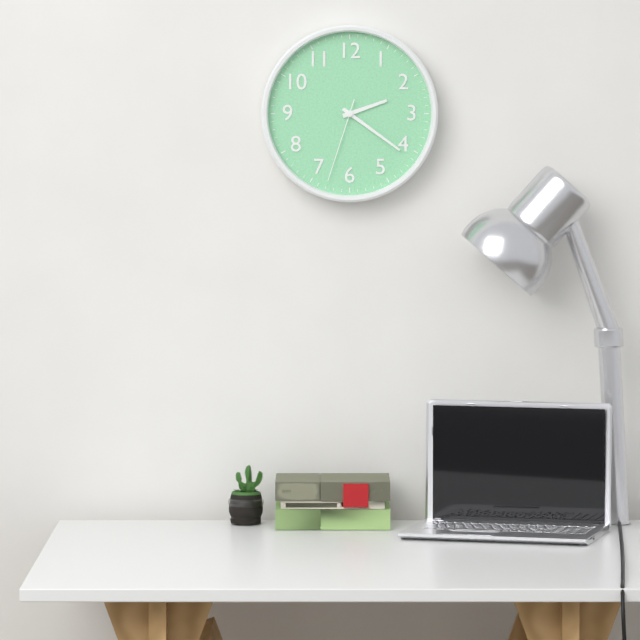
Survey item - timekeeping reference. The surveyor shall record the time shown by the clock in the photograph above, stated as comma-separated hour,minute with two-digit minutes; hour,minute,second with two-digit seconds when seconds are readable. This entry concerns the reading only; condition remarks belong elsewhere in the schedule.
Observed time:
2,21,33
